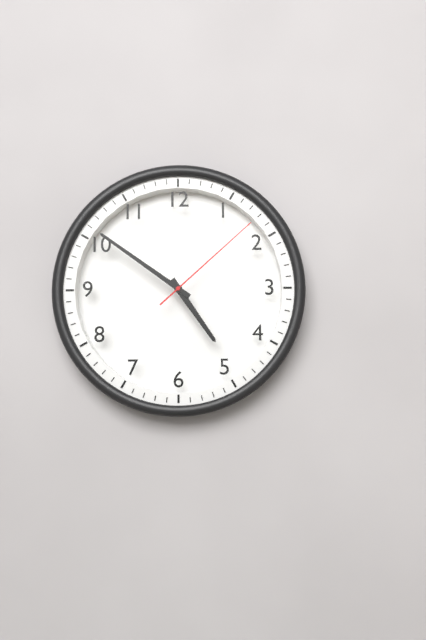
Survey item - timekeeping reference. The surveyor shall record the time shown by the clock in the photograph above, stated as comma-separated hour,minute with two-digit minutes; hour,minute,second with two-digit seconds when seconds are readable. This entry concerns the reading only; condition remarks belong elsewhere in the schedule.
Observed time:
4,51,08
